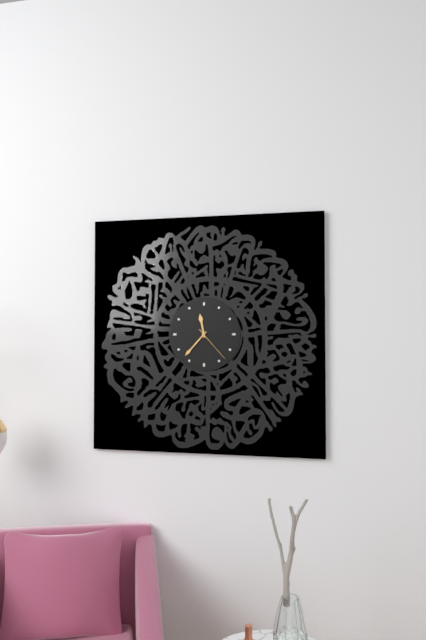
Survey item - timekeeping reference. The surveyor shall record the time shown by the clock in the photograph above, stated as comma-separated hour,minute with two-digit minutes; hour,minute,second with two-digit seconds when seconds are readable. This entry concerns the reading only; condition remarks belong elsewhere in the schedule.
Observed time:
11,37
